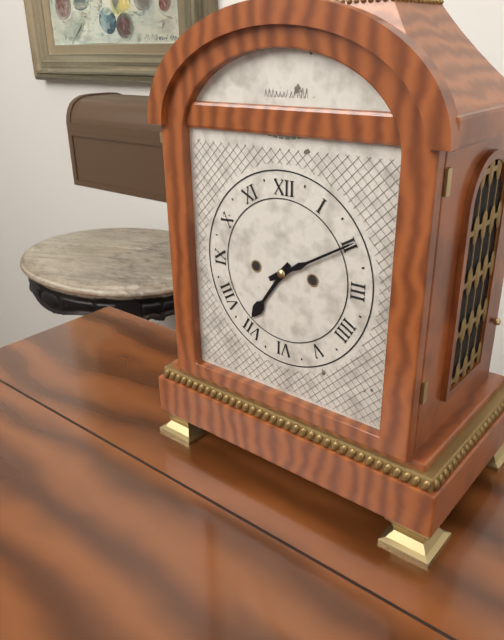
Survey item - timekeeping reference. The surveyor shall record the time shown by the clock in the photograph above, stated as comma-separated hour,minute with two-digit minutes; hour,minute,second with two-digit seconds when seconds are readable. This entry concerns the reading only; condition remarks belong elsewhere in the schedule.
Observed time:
7,10
